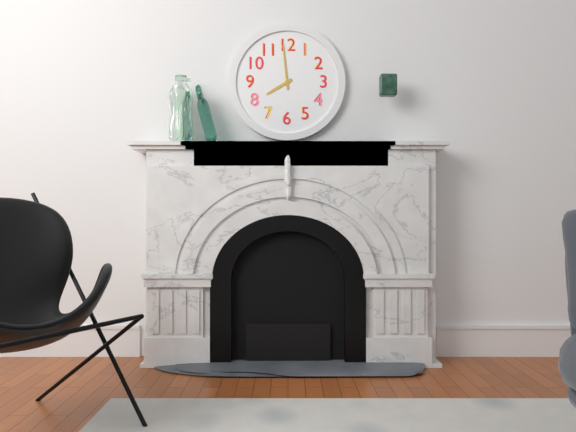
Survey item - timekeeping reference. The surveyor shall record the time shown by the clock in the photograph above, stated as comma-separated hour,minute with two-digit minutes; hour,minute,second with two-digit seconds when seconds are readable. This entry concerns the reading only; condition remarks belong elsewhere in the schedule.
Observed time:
7,59
